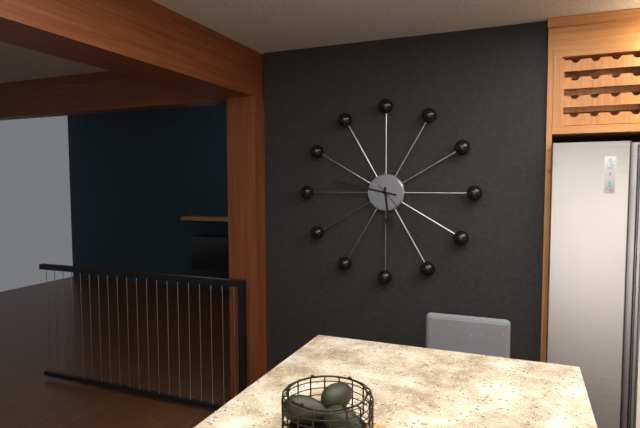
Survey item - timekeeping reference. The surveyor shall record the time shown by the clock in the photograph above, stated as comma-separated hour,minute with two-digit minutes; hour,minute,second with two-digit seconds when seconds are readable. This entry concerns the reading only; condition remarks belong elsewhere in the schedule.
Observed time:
5,47,23
